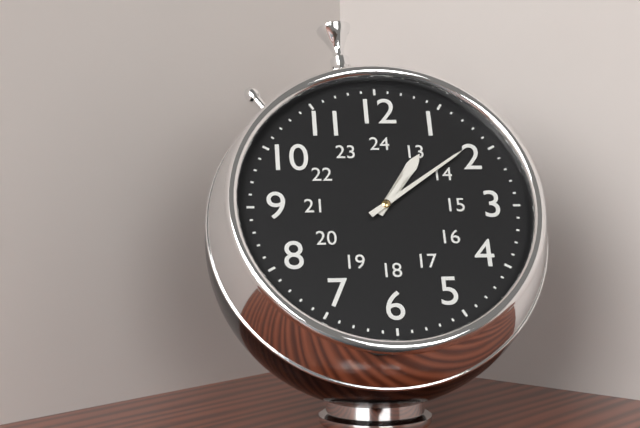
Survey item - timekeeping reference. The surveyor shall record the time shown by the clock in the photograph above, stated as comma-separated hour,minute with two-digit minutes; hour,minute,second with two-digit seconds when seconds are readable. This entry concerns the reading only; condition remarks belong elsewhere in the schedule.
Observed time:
1,09
